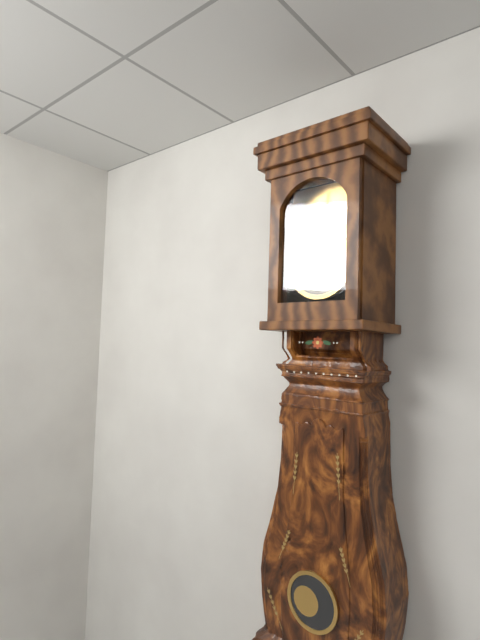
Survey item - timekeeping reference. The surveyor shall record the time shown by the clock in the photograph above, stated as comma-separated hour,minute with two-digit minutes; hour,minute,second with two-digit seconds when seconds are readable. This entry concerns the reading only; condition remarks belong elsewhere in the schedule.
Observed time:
11,34
